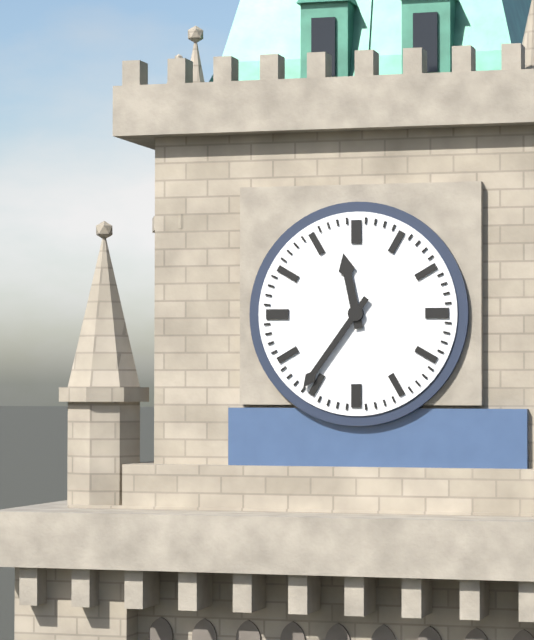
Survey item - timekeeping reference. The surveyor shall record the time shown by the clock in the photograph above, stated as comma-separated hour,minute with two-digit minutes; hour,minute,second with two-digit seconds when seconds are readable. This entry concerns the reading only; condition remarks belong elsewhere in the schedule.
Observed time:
11,36
